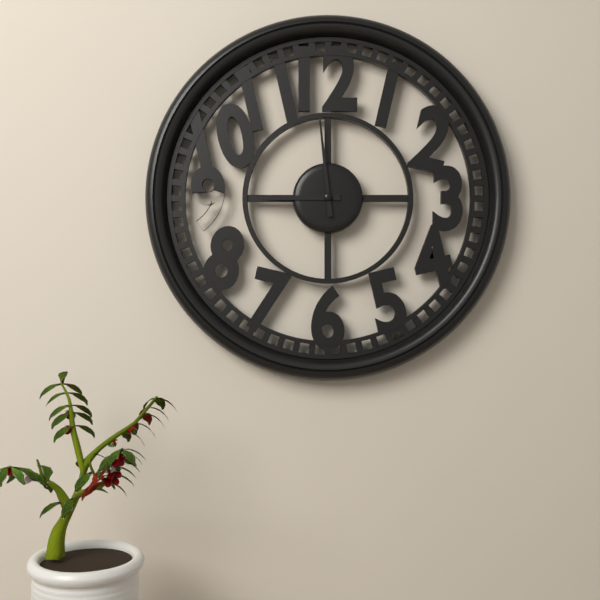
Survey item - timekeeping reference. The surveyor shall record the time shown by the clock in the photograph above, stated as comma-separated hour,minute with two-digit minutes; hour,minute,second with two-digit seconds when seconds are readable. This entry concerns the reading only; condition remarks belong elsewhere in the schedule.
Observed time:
8,59
